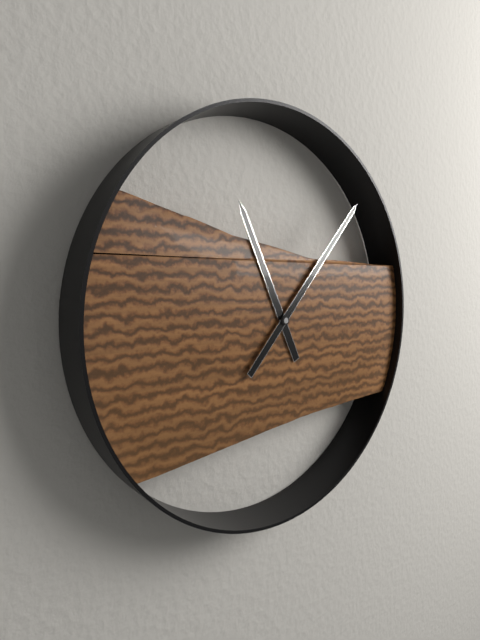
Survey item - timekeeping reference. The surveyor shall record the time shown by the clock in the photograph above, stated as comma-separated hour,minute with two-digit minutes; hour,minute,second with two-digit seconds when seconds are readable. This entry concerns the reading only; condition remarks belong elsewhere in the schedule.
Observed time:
11,07
